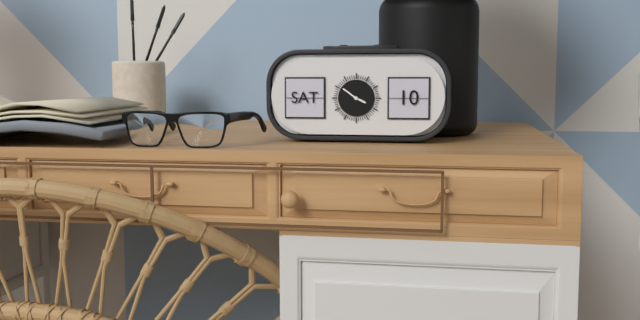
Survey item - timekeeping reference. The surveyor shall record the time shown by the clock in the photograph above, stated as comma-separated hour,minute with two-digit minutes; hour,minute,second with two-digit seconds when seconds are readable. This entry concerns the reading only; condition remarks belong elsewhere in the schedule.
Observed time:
3,51
